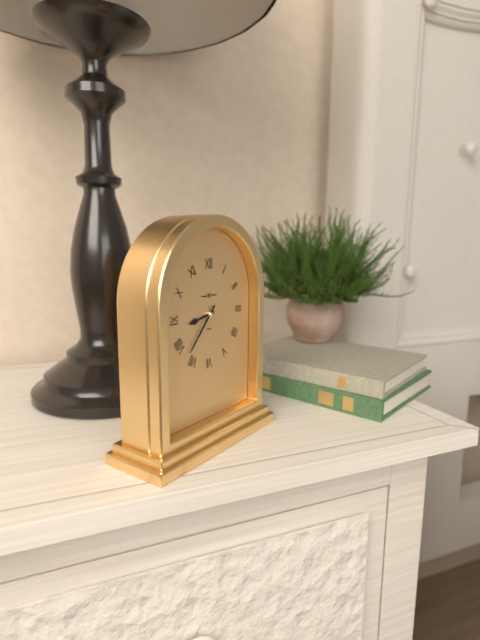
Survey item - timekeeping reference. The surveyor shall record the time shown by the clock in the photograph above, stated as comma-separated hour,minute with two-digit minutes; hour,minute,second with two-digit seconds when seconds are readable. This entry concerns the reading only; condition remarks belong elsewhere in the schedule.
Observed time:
8,37
